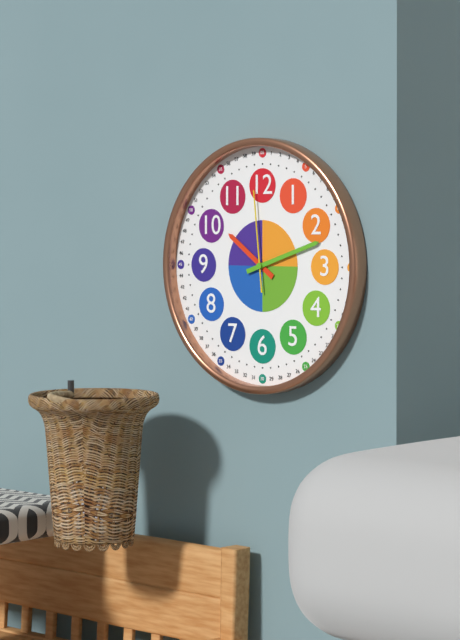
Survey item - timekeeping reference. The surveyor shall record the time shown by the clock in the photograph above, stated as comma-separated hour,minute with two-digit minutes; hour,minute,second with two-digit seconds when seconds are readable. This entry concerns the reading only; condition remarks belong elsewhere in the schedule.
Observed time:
10,12,59
